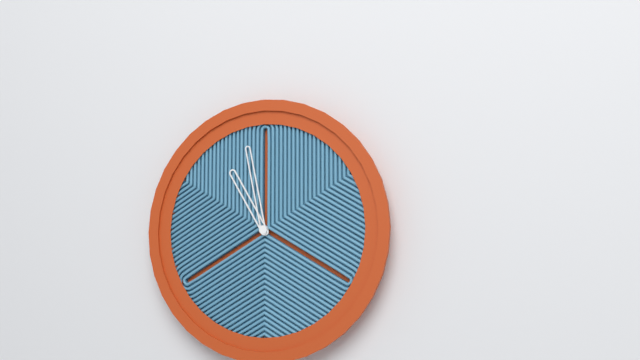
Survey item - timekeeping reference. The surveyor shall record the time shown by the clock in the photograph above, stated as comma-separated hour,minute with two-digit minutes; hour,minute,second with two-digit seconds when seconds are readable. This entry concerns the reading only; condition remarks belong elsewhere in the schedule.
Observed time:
10,58
